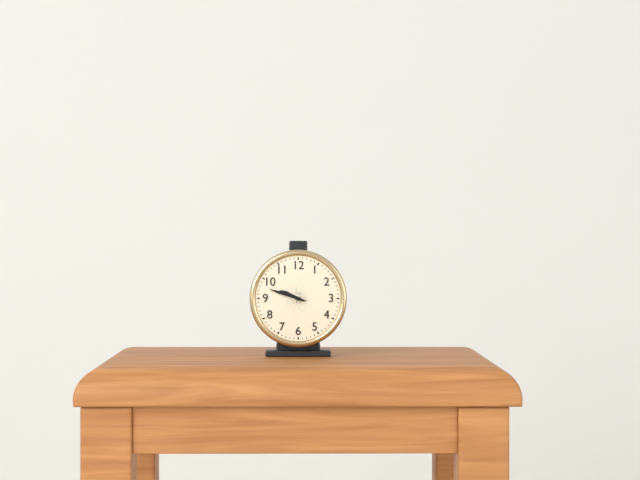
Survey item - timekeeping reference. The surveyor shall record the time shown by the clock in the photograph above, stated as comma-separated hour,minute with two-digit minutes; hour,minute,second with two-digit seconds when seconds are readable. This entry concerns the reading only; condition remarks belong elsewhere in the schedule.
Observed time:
9,48
